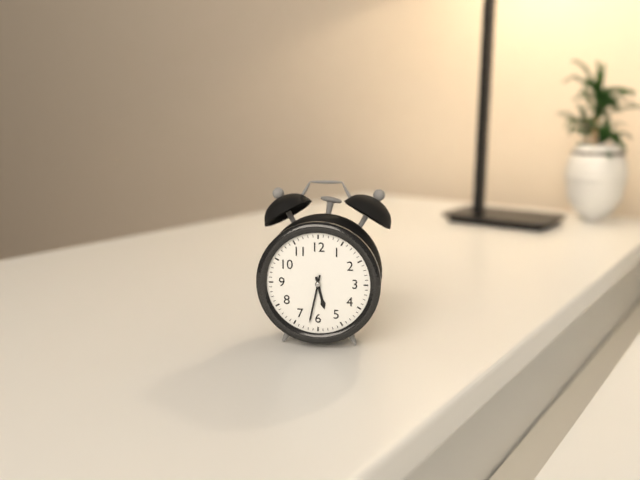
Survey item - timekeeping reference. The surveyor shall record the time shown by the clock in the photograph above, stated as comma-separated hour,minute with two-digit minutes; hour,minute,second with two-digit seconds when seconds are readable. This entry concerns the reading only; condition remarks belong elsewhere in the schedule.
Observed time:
5,32
